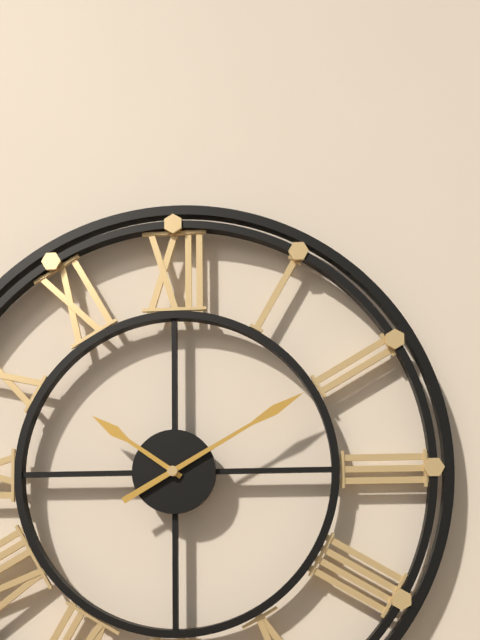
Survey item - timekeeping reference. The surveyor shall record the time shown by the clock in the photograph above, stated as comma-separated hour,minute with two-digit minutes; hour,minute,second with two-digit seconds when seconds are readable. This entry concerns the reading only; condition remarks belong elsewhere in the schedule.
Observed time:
10,10
